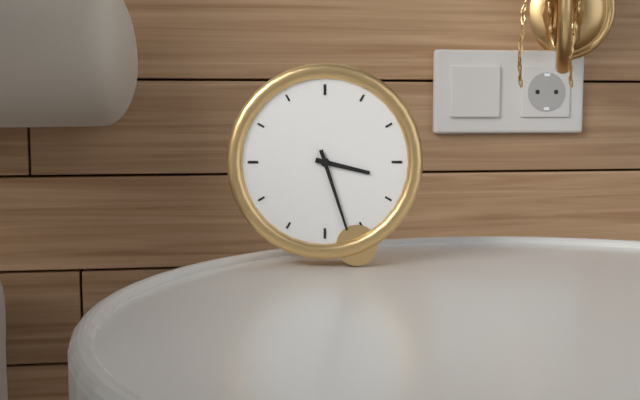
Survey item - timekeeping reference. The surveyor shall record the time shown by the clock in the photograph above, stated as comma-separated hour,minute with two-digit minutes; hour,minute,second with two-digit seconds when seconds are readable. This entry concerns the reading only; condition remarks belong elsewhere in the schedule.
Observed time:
3,27
